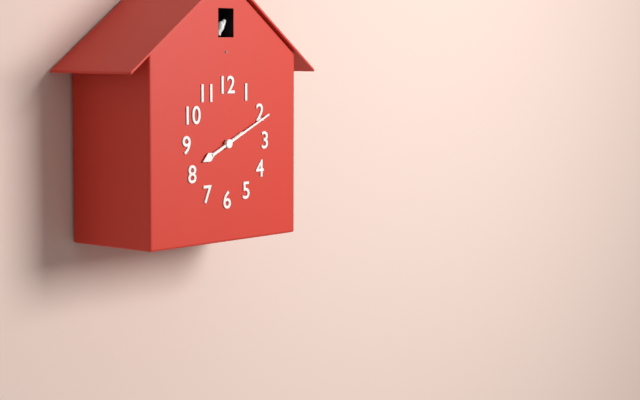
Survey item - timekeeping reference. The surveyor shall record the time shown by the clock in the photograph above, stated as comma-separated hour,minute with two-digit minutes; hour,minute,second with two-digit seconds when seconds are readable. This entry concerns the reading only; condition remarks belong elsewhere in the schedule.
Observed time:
8,11
